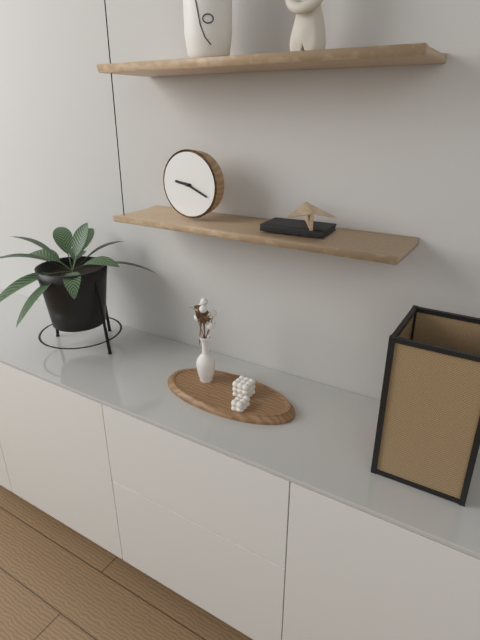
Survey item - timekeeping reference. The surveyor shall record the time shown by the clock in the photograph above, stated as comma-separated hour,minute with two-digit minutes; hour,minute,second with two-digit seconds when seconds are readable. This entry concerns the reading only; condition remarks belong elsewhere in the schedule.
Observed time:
9,19
